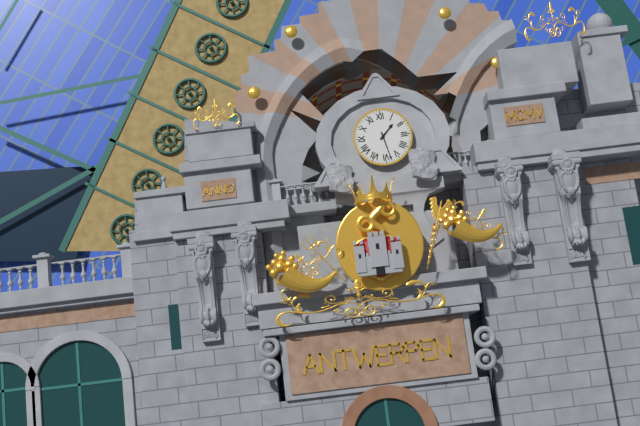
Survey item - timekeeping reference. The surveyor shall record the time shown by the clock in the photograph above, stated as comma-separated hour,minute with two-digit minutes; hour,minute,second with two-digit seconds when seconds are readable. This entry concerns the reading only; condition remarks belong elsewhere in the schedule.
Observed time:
1,28
